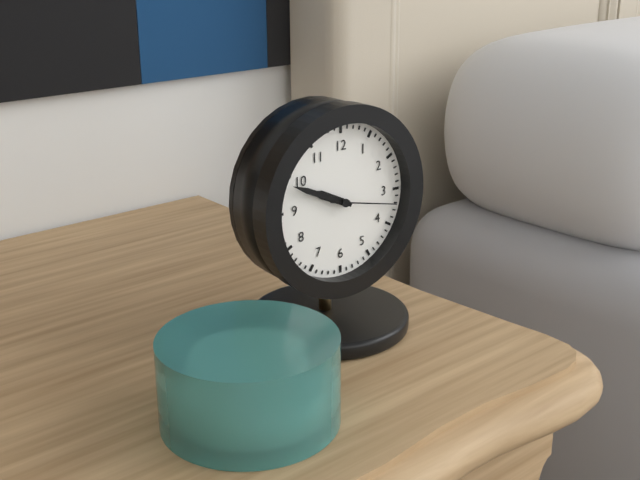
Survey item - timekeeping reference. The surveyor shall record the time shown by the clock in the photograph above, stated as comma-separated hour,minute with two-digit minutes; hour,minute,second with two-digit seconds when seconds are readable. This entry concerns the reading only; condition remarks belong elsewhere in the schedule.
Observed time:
9,49,17
